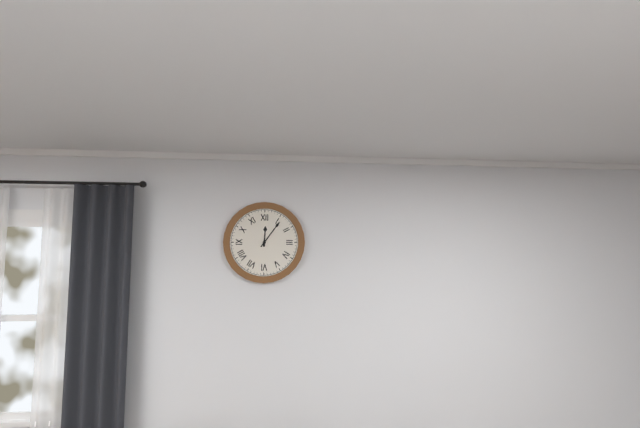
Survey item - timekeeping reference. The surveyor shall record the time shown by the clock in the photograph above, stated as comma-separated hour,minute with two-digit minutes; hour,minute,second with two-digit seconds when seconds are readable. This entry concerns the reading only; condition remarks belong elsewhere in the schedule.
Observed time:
12,06
